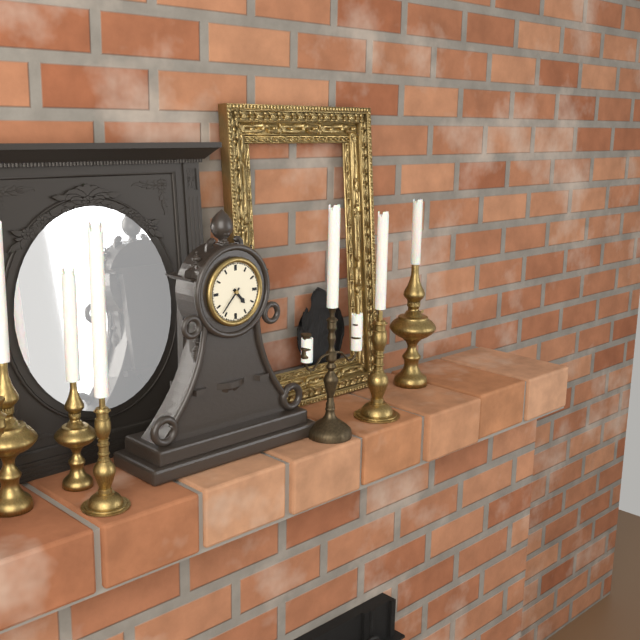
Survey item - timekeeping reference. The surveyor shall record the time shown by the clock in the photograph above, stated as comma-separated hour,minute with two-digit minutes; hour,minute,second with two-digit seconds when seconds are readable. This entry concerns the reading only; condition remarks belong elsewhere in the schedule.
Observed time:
4,37
